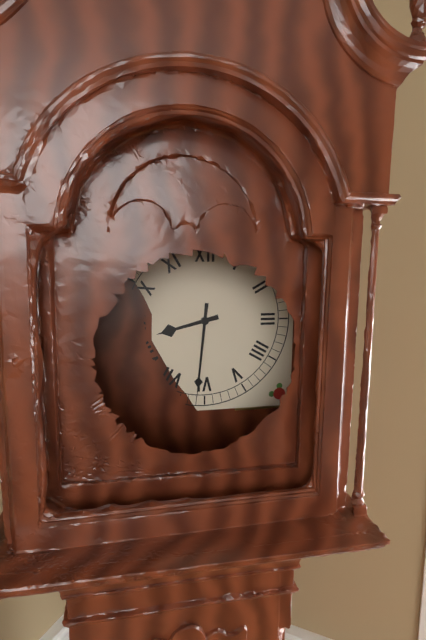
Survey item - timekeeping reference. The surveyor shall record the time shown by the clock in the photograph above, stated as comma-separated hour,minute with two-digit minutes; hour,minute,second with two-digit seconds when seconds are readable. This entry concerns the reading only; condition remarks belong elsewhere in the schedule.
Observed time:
8,31
